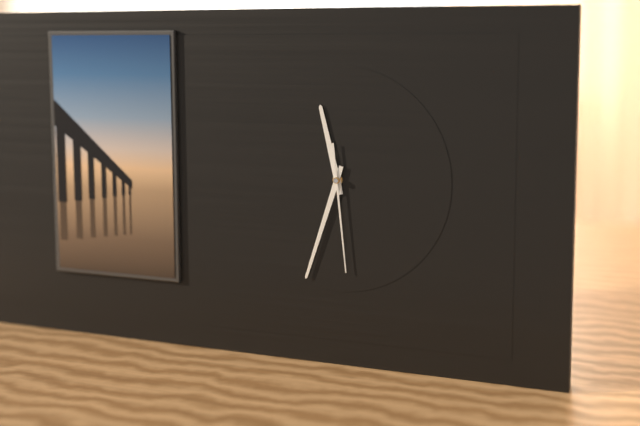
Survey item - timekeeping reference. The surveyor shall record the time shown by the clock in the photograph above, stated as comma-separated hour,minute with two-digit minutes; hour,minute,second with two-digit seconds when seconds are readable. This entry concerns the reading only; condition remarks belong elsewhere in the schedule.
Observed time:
11,33,29
